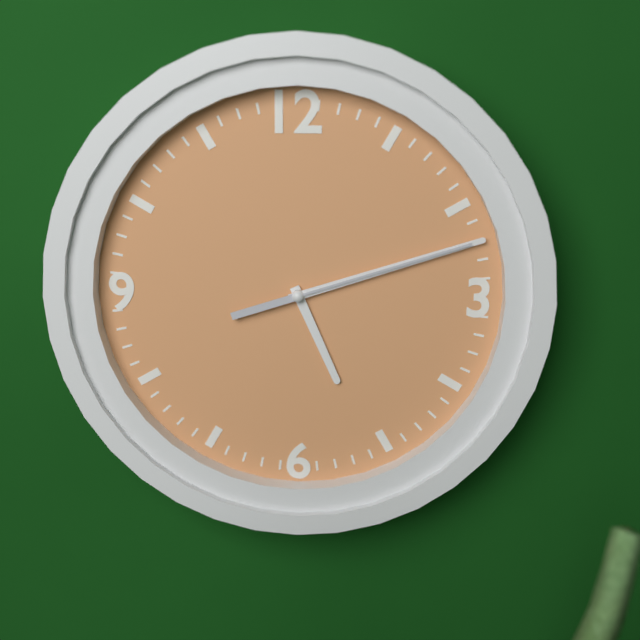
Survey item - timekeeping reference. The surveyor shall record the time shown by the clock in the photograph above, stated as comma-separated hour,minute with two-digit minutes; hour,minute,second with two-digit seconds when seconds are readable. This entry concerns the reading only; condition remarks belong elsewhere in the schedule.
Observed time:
5,12,12
